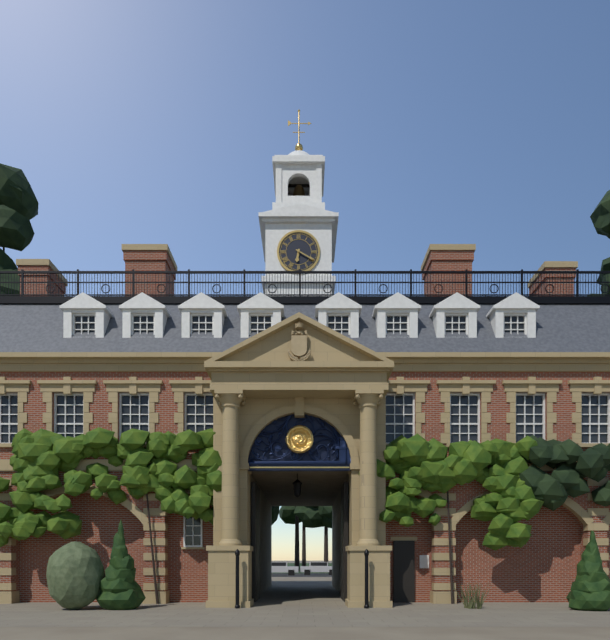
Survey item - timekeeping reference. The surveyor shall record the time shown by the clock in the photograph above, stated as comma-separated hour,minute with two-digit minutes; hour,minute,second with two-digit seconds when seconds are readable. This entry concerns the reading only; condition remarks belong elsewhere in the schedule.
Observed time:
6,20
